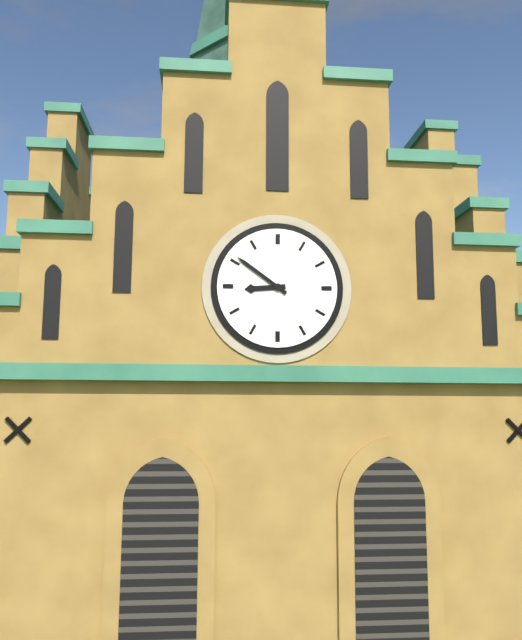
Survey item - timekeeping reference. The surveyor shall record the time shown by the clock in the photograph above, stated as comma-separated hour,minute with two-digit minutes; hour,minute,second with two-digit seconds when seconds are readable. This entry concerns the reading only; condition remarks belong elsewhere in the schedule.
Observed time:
8,51
